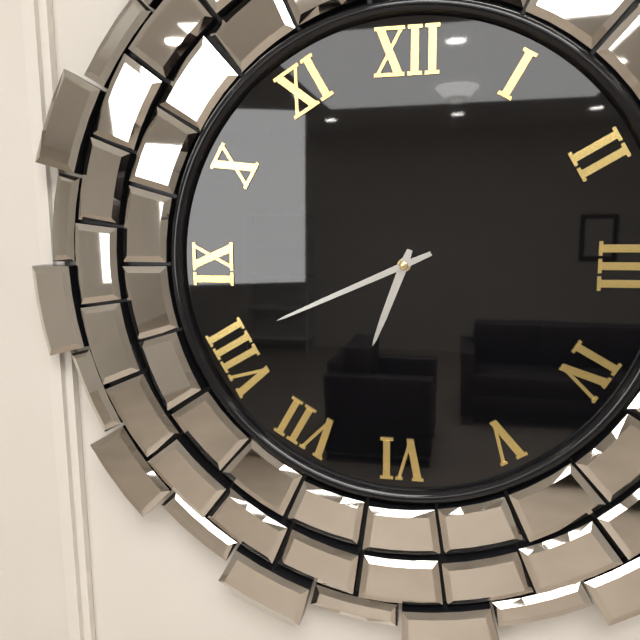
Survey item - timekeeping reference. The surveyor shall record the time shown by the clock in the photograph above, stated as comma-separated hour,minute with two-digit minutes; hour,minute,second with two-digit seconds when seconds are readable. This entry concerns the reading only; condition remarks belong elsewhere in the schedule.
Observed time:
6,41
